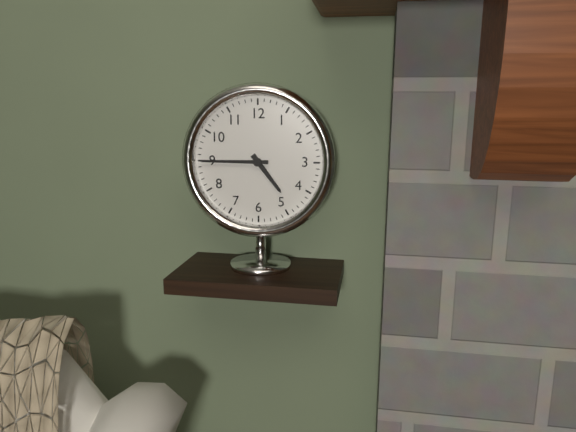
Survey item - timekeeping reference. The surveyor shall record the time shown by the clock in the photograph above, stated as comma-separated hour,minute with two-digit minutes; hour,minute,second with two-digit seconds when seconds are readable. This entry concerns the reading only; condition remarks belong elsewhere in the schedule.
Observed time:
4,45
